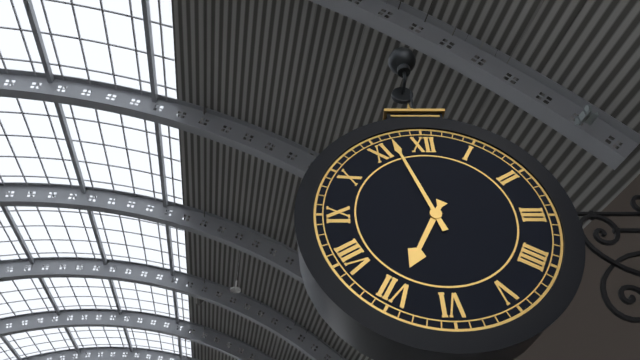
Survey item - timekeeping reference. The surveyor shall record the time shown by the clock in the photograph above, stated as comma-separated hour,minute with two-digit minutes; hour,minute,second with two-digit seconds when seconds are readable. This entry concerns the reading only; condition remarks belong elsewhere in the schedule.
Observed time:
6,57
